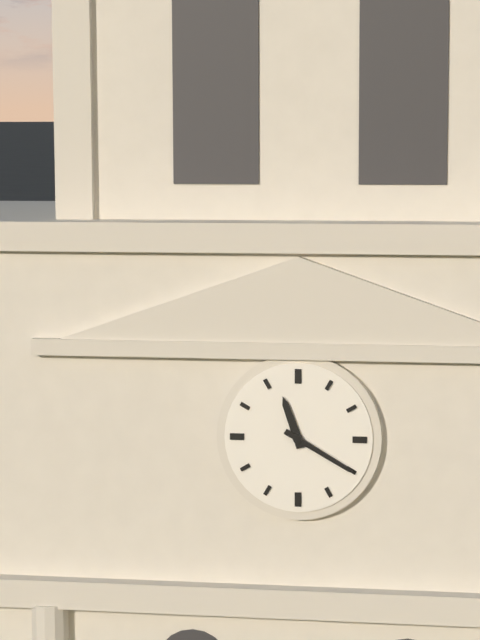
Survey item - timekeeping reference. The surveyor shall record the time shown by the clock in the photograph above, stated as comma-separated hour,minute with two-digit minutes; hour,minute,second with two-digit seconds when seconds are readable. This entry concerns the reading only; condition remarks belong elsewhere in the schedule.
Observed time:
11,20
